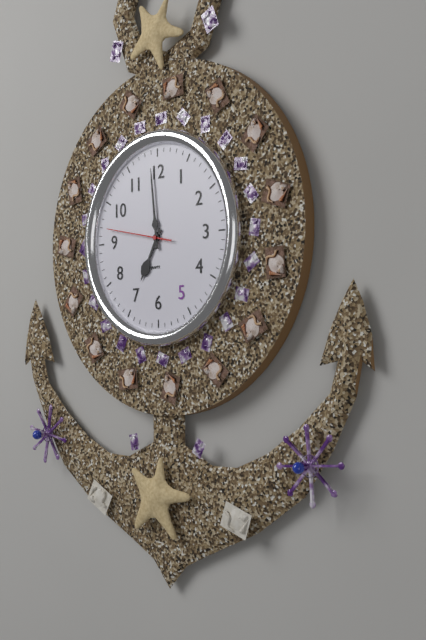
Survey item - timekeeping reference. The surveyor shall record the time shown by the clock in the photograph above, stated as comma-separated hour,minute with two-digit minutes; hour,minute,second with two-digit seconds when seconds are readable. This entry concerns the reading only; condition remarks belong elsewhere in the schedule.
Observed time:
6,59,47
